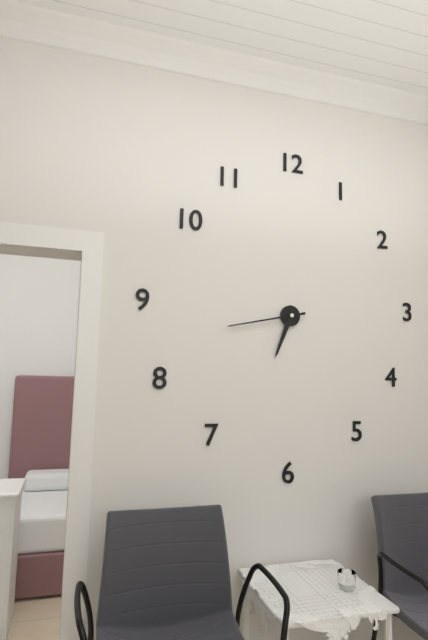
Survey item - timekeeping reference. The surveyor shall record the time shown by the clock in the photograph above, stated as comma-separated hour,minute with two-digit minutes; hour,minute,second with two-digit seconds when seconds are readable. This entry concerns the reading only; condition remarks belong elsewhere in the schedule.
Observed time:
6,43
